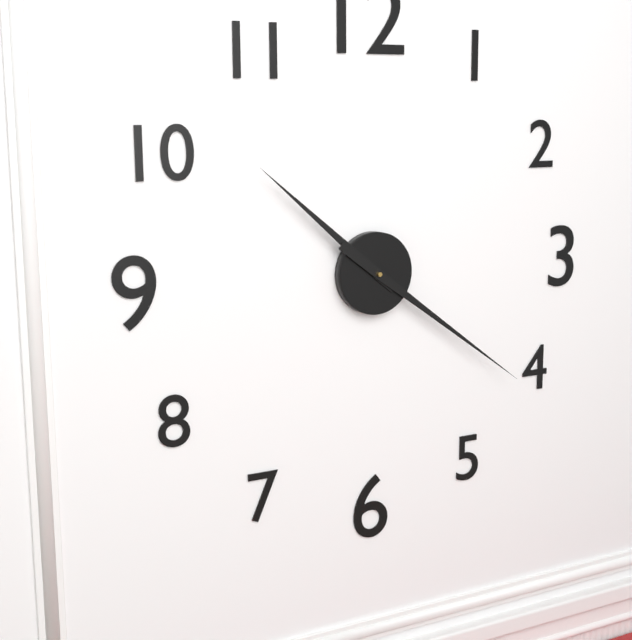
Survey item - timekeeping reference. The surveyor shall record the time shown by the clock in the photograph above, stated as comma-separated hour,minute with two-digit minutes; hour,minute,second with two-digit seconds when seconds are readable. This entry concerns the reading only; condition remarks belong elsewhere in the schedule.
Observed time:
10,21
